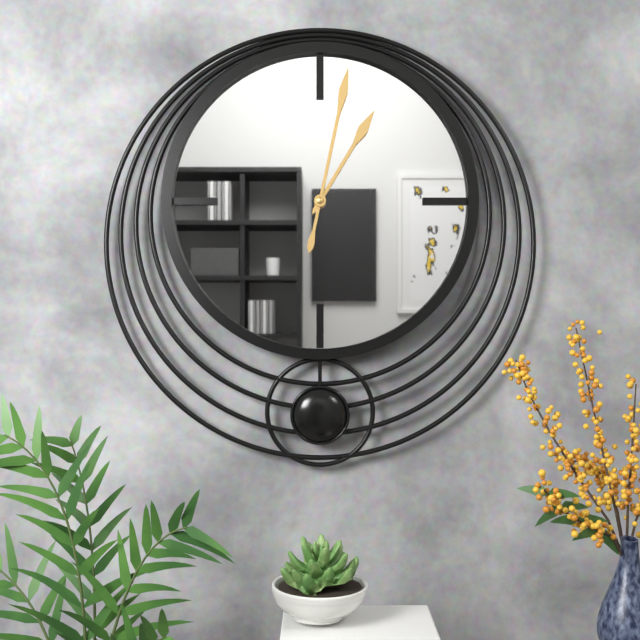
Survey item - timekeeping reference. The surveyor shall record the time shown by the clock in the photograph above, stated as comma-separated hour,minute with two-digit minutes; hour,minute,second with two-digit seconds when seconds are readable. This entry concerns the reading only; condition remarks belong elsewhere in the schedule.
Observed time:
1,02
